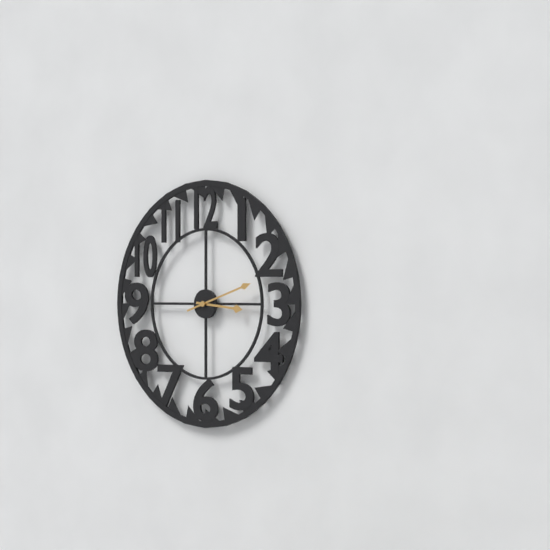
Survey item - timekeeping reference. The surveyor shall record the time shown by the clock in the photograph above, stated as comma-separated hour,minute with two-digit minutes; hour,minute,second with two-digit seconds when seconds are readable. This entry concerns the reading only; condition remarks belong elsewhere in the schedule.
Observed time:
3,12
